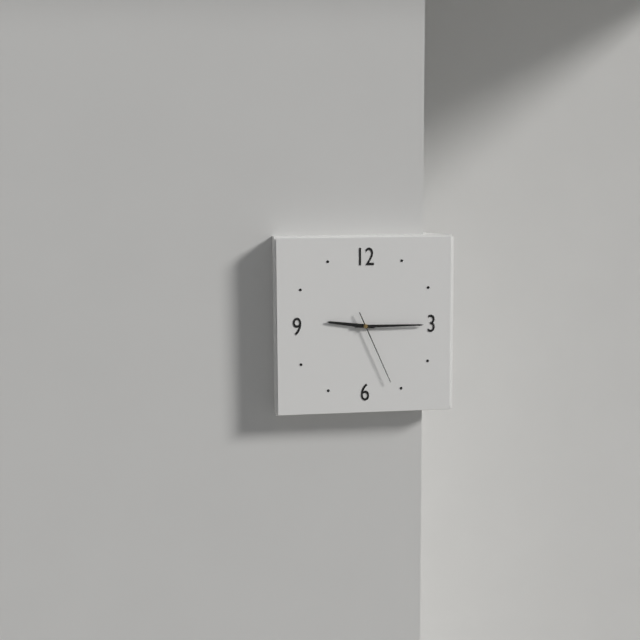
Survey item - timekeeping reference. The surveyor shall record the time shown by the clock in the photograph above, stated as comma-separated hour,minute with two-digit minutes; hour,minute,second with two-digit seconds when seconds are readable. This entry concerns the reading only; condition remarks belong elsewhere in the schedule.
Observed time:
9,15,26
